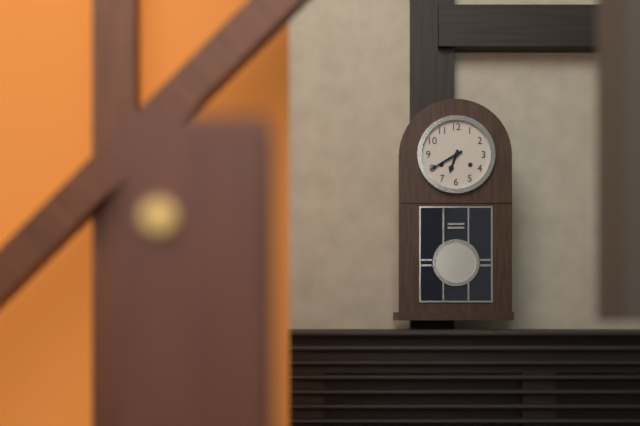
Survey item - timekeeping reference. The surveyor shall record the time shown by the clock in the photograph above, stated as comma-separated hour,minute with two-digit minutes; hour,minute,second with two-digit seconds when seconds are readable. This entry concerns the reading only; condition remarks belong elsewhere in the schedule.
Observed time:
6,40
